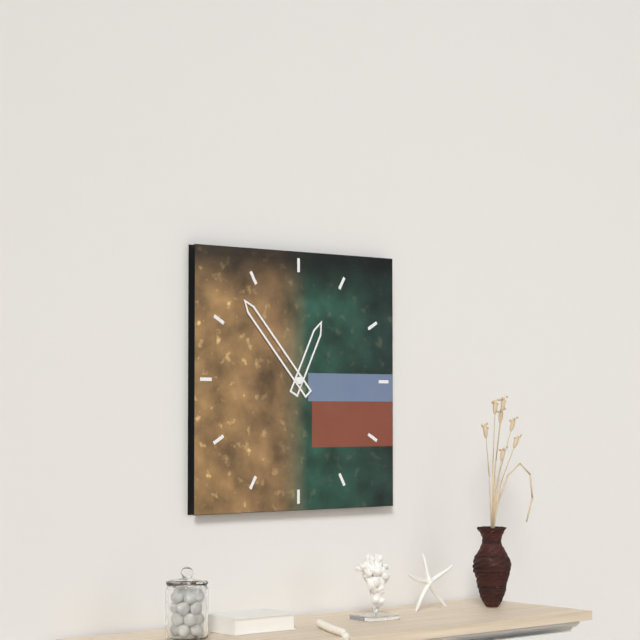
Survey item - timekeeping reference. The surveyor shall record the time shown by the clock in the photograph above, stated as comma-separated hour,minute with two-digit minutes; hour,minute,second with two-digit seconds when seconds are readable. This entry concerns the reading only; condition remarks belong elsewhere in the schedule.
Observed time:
12,53
